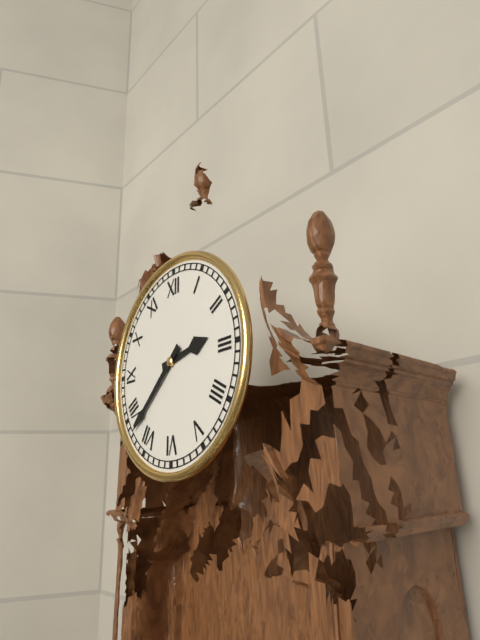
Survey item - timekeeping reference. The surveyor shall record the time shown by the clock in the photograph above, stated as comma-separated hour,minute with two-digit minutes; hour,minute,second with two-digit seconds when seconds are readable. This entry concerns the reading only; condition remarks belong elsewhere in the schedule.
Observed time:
2,38
